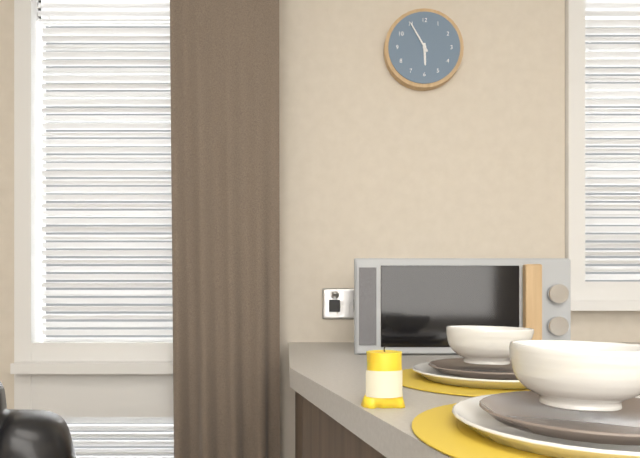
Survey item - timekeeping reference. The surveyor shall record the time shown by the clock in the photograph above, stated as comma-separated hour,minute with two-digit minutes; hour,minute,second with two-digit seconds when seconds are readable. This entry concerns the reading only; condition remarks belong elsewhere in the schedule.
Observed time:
5,55
